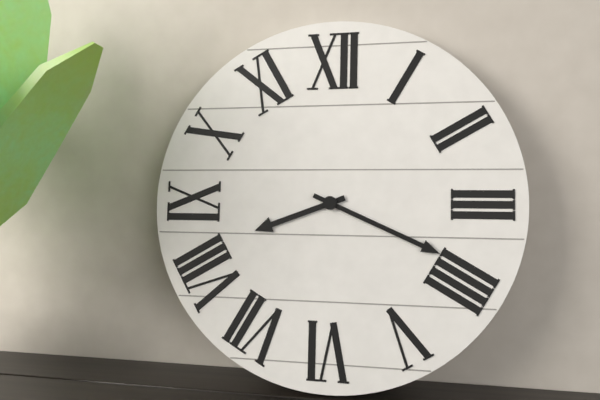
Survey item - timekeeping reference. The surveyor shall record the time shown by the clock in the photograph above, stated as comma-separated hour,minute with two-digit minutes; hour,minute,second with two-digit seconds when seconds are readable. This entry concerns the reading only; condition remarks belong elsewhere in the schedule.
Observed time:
8,19
